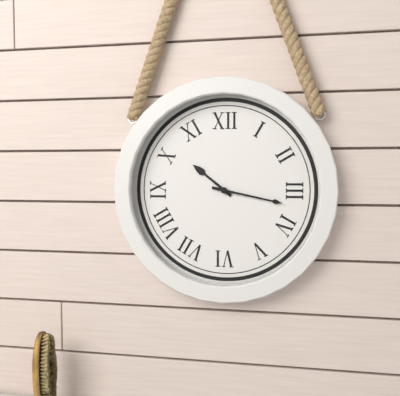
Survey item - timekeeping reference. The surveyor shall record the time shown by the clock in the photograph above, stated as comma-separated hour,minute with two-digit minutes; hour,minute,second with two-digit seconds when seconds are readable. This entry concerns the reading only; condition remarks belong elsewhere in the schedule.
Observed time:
10,17
